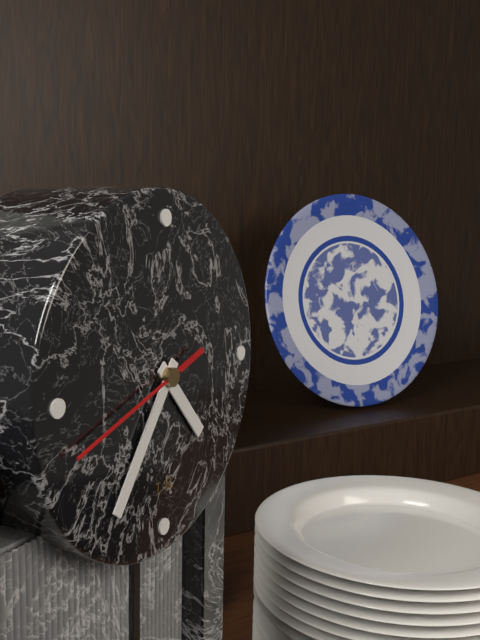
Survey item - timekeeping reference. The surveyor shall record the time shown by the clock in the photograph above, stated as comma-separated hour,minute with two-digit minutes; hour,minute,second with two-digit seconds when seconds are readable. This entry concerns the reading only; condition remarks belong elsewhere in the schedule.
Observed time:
4,36,42
